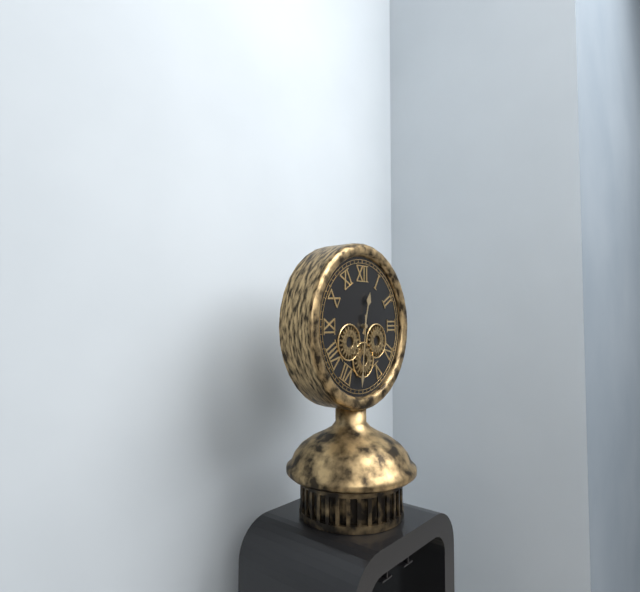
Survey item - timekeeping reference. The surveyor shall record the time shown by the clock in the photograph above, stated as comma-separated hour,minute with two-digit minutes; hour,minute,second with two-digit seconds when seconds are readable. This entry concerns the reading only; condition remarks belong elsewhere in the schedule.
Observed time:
12,31
